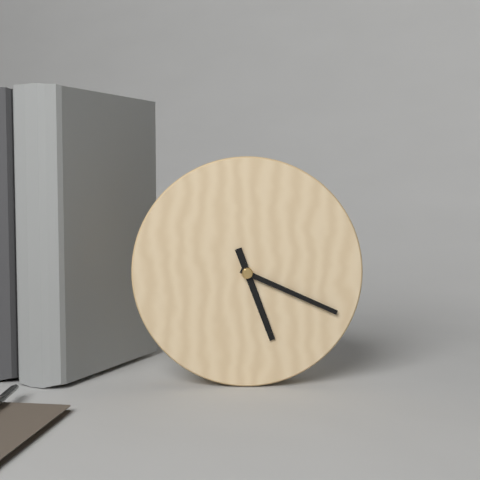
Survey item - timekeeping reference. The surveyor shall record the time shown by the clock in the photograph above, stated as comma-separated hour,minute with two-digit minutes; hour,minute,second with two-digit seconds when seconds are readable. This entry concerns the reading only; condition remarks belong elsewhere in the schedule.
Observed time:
5,19
